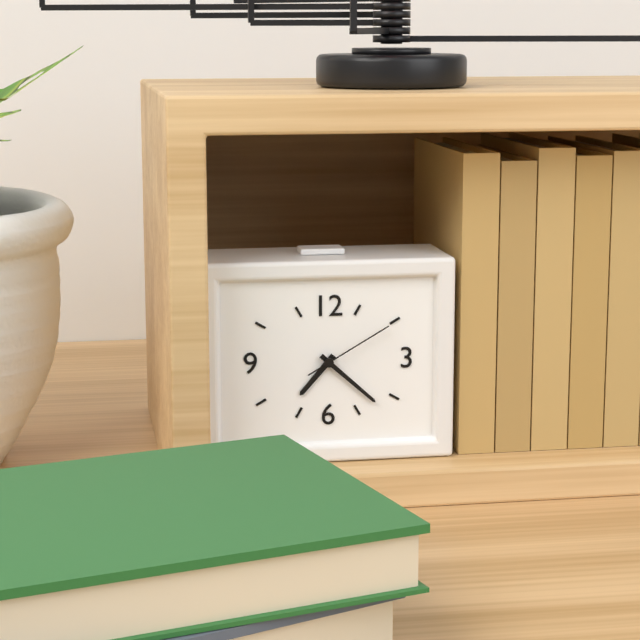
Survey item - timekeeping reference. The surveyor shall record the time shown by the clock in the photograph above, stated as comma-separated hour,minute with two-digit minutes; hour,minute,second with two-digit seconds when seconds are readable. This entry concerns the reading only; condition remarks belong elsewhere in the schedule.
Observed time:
7,22,10
